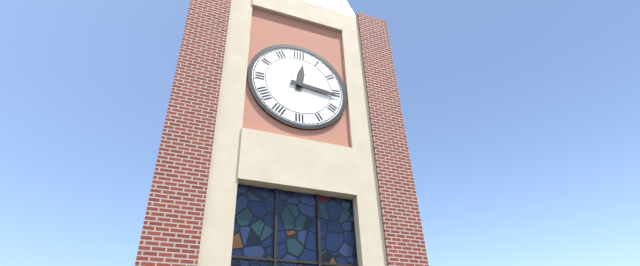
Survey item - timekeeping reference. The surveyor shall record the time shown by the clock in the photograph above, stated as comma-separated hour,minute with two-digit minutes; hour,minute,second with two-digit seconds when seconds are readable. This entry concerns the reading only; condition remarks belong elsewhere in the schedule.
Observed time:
12,16
